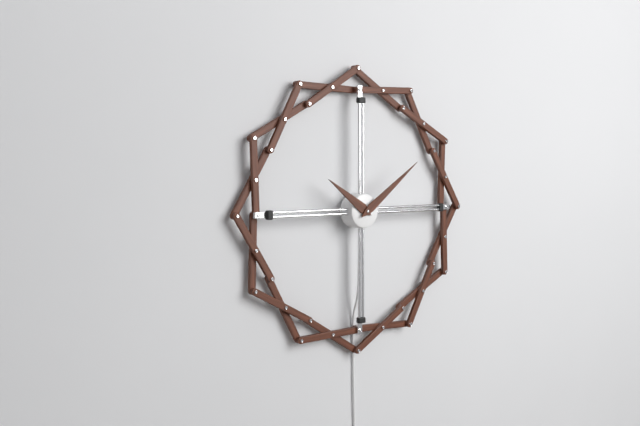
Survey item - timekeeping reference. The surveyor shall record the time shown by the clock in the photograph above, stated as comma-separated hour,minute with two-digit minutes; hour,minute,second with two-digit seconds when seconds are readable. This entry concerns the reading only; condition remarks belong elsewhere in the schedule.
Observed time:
10,09
